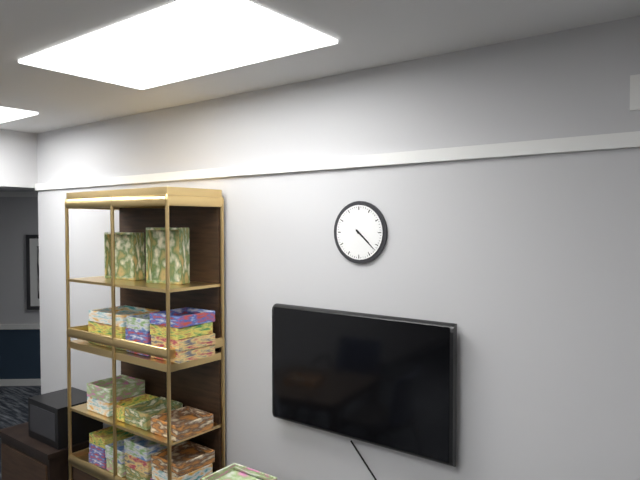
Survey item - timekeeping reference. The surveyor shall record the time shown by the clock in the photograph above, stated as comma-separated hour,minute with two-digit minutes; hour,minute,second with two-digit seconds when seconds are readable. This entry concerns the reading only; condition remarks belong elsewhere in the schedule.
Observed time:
4,22
